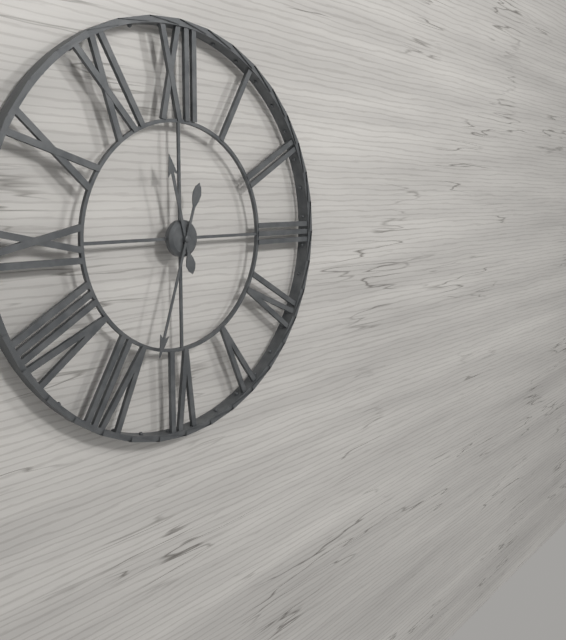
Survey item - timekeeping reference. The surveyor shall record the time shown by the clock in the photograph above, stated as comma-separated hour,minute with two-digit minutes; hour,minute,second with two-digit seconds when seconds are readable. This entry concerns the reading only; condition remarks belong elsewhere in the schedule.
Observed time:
11,33
